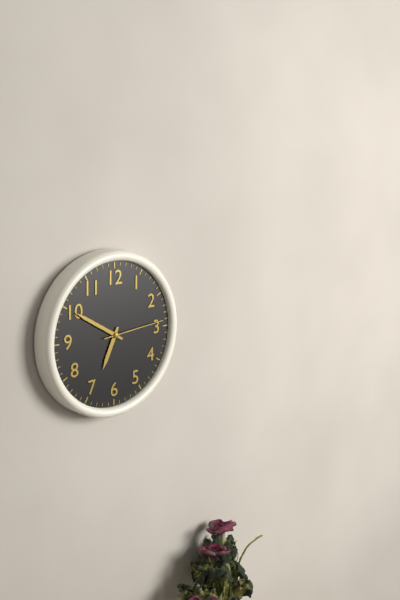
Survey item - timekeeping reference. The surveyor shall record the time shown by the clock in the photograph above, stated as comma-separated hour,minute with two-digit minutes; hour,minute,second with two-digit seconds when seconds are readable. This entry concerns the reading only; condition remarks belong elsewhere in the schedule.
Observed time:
6,50,14
